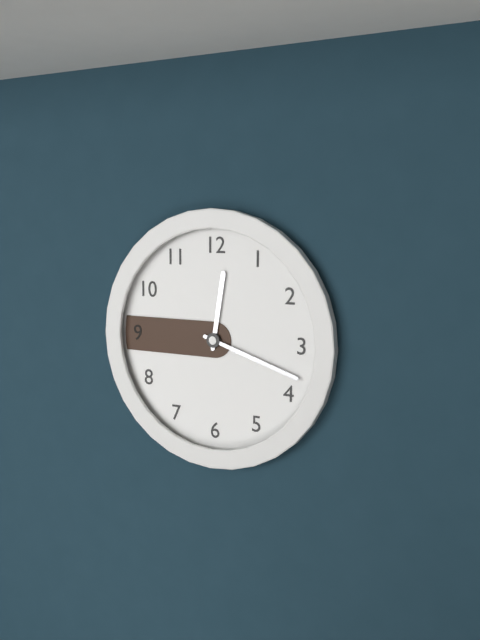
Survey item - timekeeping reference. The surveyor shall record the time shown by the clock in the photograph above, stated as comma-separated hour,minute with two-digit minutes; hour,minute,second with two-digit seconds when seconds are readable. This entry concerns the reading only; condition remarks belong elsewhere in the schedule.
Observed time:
12,18
